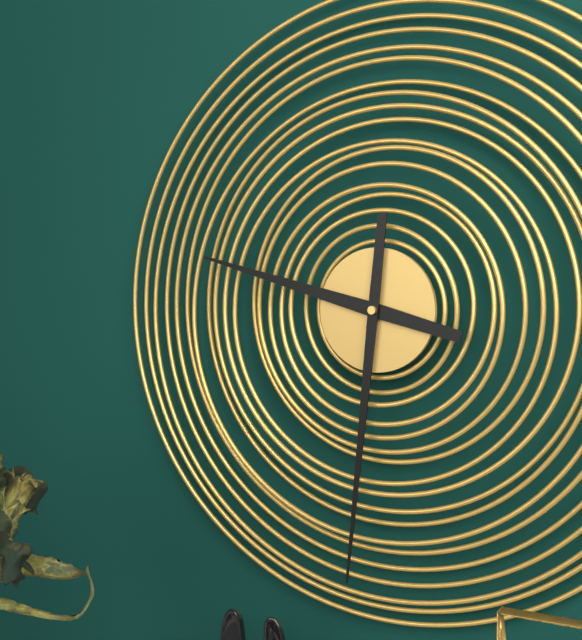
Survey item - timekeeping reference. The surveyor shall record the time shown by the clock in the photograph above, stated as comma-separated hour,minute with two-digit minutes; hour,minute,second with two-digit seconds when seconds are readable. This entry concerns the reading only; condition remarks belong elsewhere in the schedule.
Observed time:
9,31
